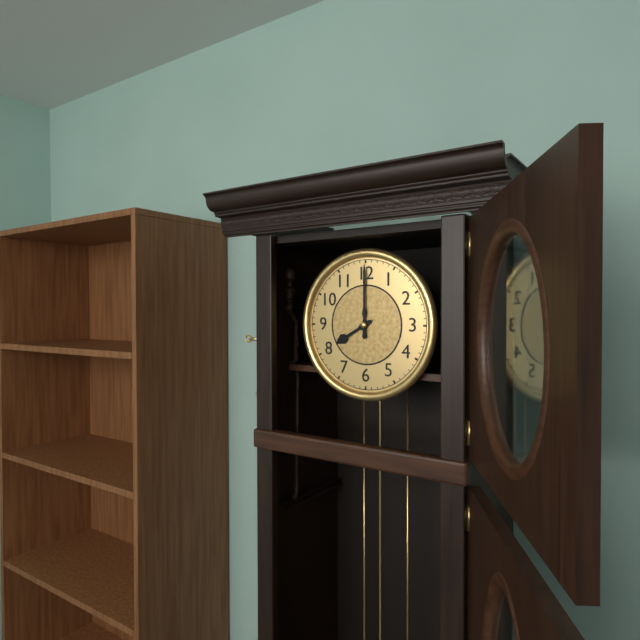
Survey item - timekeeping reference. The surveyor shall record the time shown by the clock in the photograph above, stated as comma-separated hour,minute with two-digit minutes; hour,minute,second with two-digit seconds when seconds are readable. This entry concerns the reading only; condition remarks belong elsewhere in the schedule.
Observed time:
8,00
